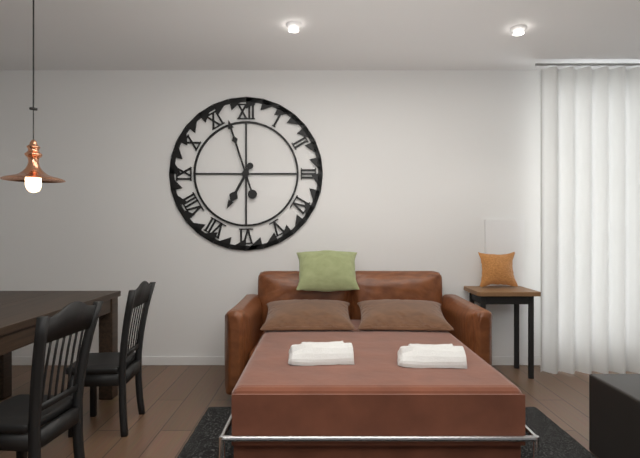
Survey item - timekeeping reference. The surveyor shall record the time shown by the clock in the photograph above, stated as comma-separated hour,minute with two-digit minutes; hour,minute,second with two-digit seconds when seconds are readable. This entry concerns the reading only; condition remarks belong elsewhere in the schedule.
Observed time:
6,57
